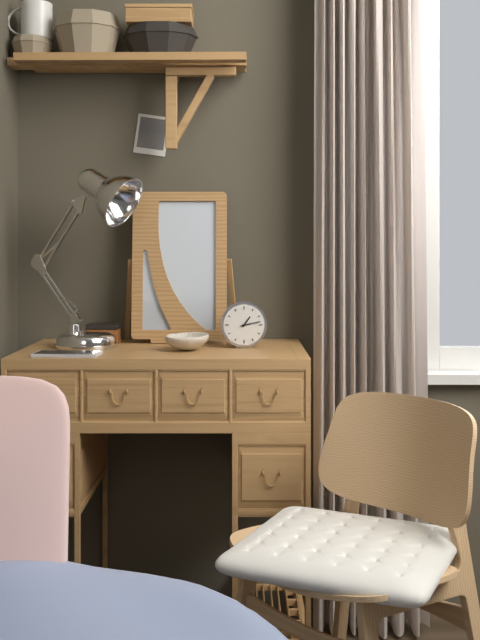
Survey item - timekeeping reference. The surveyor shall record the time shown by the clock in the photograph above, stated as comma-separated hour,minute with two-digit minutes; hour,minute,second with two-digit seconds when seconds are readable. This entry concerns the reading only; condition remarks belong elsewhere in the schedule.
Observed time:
1,13
